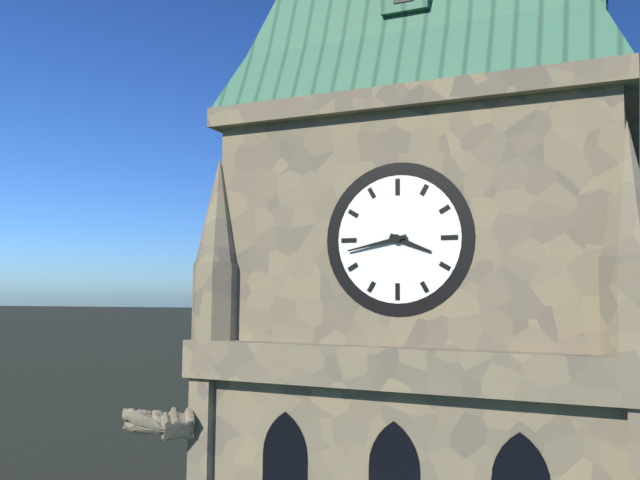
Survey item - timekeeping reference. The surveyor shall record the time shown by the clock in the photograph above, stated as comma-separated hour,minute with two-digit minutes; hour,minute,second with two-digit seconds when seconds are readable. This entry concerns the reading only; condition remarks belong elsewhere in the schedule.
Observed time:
3,43
